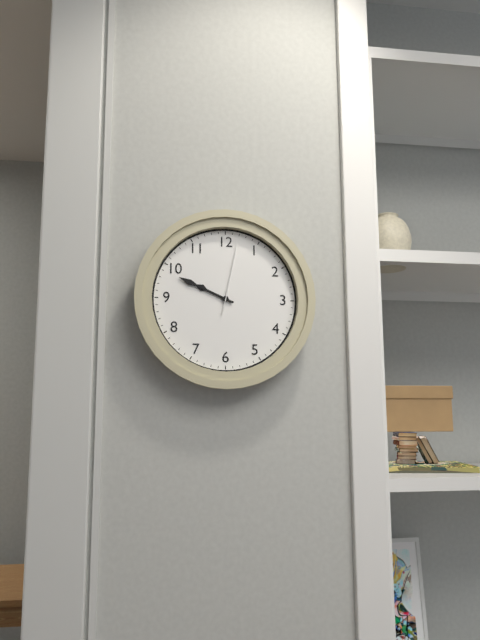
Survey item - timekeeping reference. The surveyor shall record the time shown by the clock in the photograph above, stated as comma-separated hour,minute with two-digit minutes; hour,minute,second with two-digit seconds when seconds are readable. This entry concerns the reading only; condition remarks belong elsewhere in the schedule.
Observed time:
9,49,02
